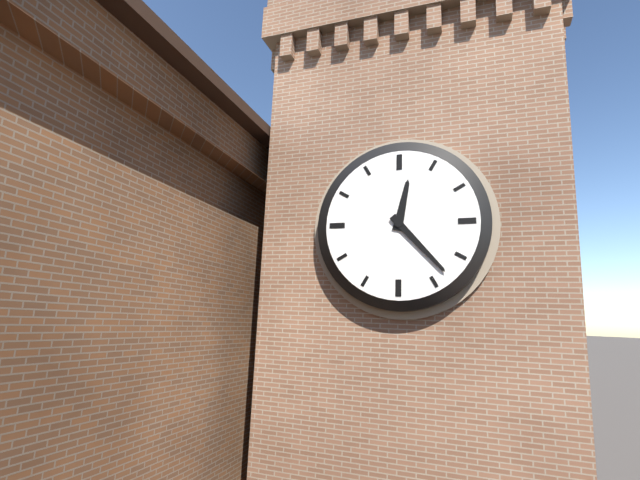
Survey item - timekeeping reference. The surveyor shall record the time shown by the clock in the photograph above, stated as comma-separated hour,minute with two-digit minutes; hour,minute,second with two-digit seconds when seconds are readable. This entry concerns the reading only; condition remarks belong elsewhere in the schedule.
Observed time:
12,23
